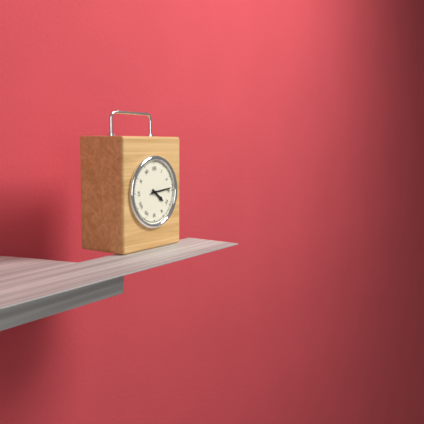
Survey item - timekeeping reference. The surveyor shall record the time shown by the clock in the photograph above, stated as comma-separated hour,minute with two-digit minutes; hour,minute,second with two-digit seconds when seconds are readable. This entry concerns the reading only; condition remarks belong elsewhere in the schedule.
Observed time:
4,14
